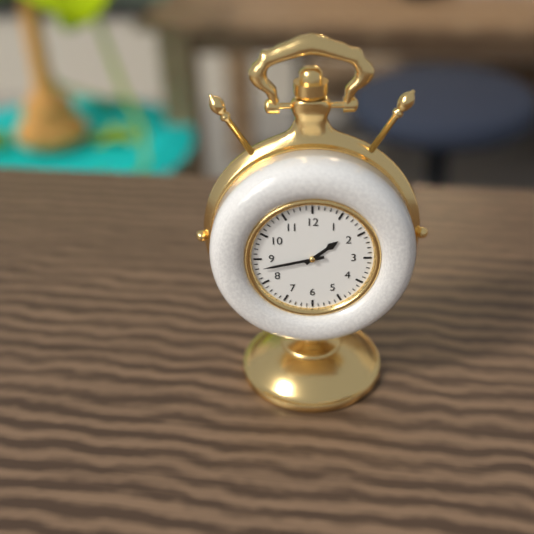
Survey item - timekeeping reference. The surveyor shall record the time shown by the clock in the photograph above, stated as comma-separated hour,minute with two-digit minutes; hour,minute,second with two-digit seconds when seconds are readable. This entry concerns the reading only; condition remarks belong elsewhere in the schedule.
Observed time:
1,43
